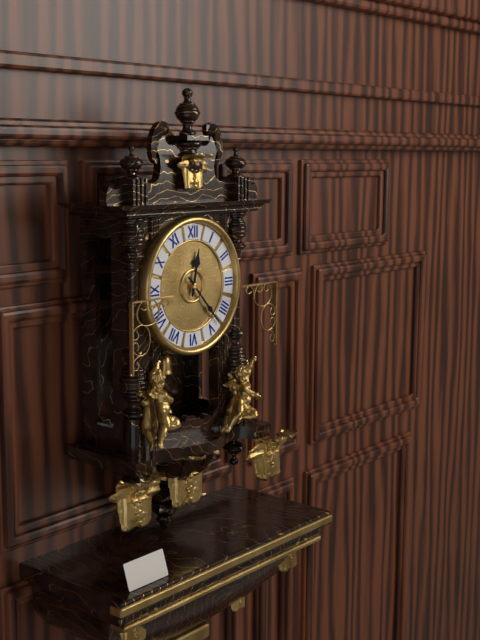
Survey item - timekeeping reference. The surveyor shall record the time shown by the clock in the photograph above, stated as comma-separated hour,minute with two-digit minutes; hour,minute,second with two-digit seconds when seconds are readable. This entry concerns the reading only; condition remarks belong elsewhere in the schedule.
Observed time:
12,23
